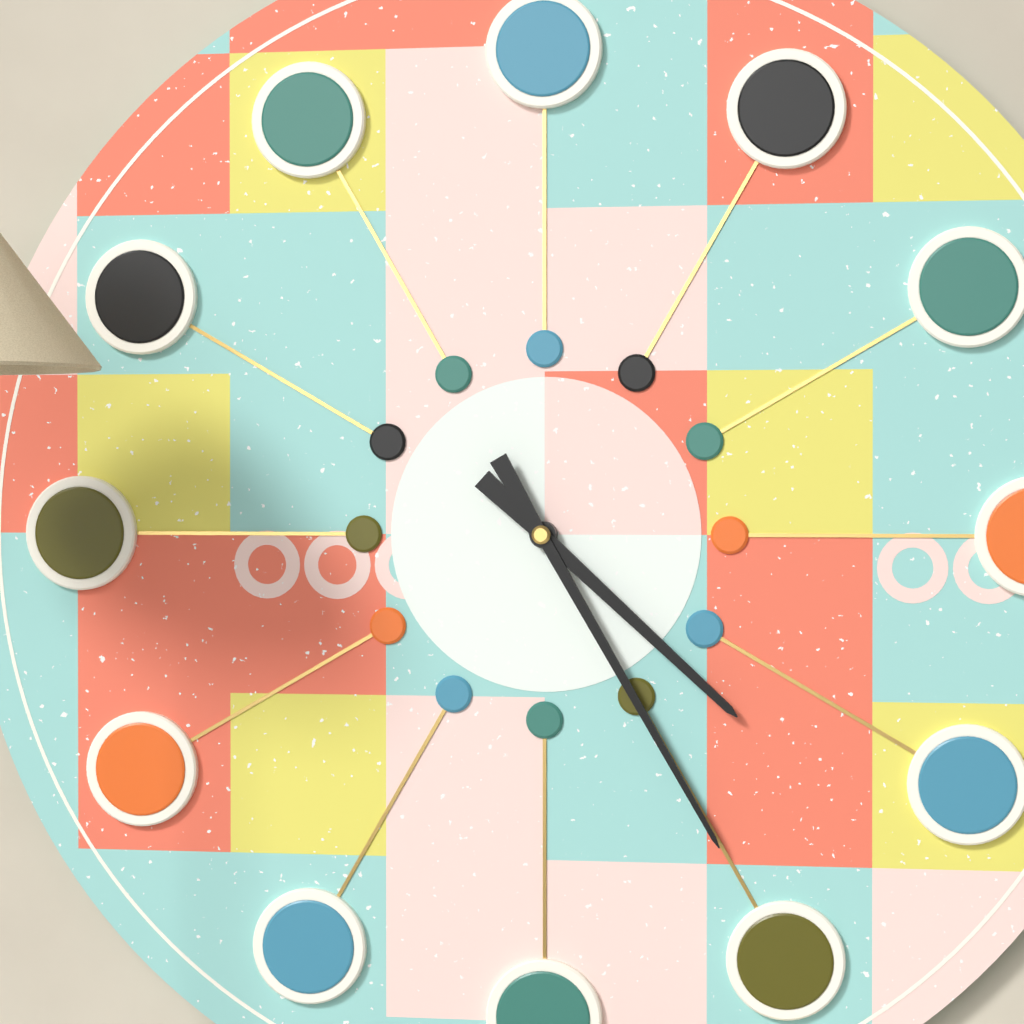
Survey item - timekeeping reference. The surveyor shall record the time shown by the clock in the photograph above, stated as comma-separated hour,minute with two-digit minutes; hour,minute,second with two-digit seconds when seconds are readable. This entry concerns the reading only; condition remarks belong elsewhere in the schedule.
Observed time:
4,25
